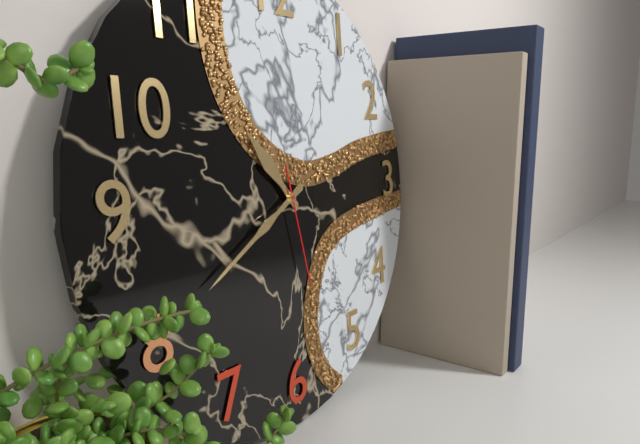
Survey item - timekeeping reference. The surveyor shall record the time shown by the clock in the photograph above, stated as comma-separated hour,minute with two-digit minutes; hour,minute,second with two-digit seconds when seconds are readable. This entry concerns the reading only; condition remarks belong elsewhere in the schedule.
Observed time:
10,40,28
